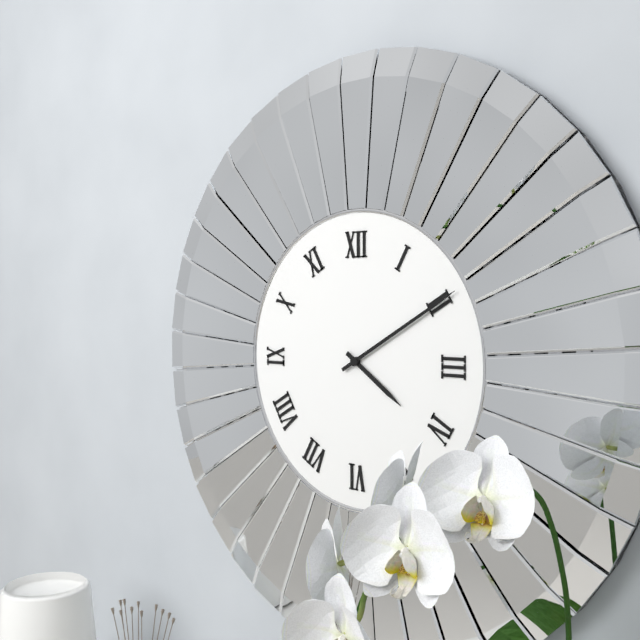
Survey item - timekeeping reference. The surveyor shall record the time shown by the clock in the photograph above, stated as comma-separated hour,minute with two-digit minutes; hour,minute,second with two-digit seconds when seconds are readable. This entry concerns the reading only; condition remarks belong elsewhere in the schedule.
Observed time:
4,10
